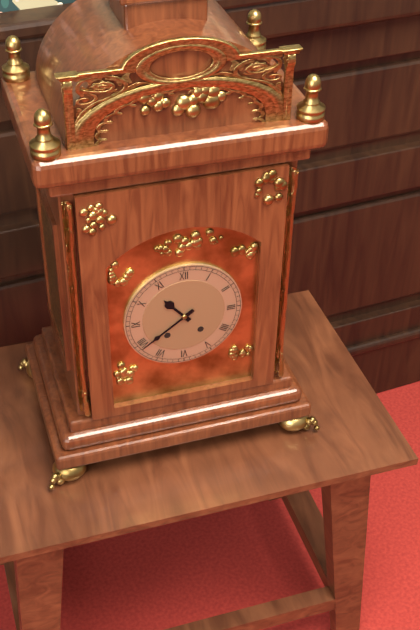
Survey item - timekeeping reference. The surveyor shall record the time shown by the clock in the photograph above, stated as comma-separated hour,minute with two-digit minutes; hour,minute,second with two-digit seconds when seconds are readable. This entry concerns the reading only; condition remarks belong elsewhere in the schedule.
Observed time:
10,39
